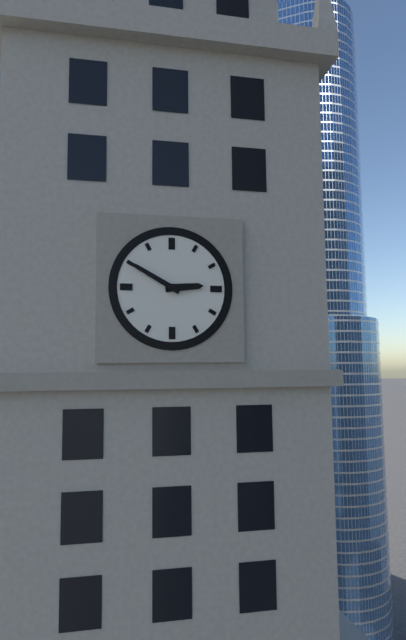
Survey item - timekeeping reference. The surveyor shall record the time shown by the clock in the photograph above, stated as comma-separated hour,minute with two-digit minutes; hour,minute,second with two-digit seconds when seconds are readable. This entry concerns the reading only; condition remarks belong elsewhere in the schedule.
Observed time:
2,50
